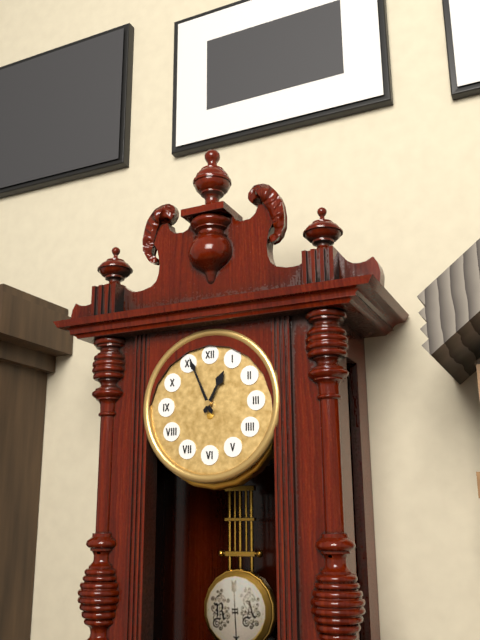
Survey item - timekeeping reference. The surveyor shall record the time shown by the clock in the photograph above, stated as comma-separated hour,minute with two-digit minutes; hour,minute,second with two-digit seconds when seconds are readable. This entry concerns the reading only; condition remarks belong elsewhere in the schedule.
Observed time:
12,56
